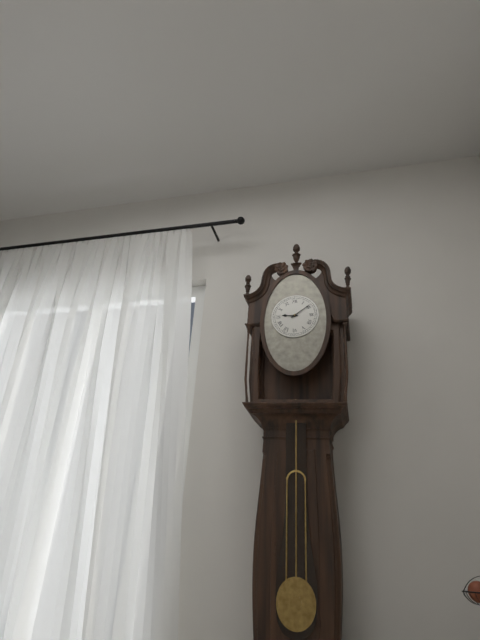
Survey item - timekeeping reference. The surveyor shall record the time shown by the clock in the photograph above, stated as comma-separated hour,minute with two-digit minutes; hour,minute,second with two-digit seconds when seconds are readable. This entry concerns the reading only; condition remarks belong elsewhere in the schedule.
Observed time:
9,09
